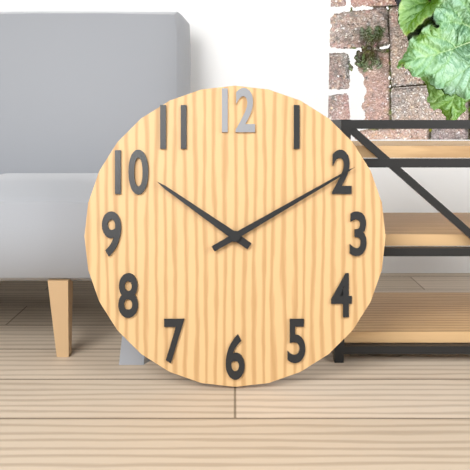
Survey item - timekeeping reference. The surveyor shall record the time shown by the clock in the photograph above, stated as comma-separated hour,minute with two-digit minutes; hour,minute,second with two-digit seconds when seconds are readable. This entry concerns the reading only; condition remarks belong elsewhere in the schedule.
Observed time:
10,10
